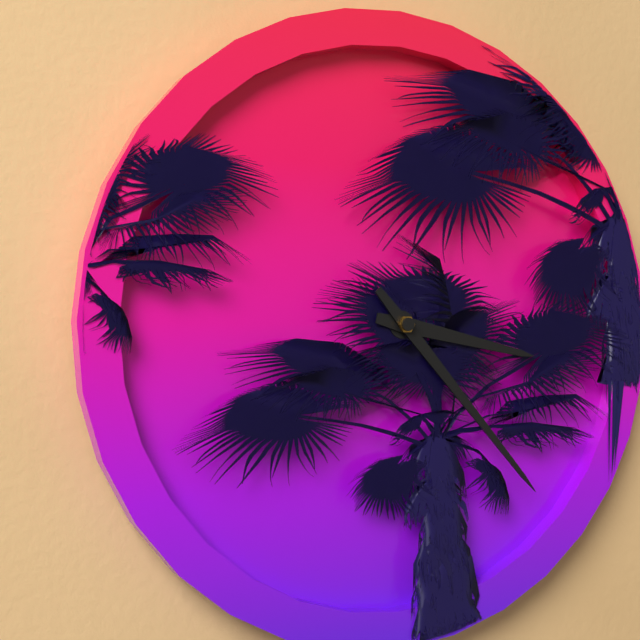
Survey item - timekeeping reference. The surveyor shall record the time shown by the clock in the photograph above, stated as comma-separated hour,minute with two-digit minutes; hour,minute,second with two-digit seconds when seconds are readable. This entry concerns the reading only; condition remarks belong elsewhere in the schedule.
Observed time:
3,23
